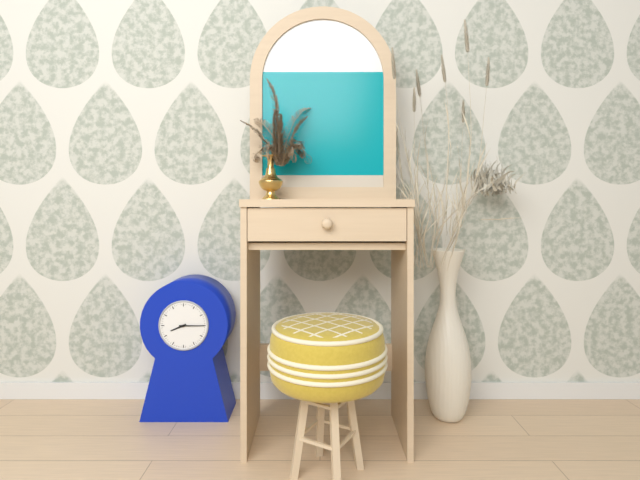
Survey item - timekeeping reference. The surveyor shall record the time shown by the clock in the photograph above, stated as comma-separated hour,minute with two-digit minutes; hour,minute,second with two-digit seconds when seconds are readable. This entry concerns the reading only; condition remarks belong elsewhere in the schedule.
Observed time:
8,15
